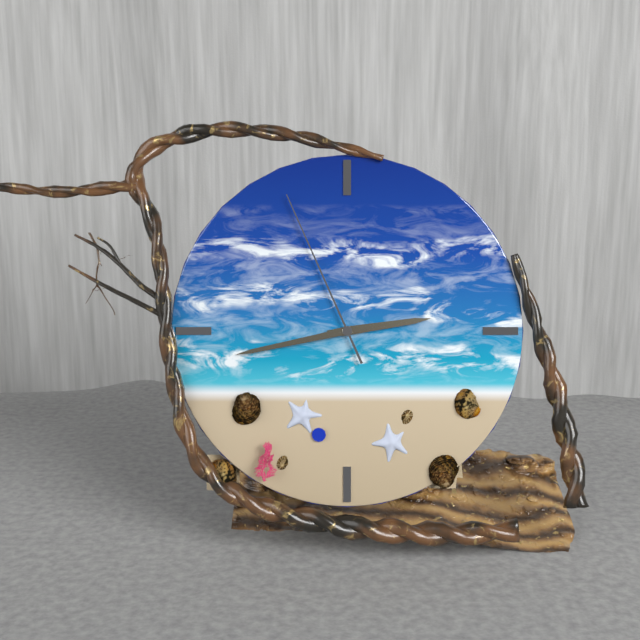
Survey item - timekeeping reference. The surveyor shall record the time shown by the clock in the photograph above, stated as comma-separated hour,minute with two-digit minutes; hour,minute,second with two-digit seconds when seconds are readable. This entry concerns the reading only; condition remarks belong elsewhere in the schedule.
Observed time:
2,43,56
